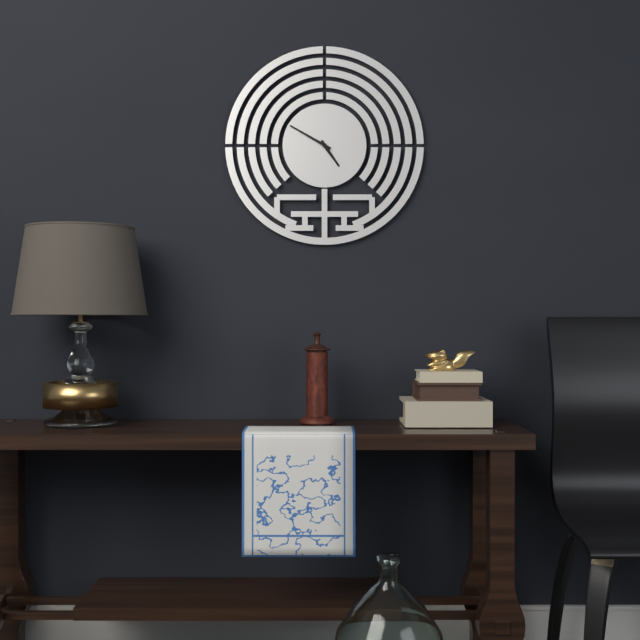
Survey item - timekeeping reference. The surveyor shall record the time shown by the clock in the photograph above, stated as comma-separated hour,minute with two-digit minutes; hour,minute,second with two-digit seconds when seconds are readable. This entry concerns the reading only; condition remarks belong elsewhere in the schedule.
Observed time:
4,50
